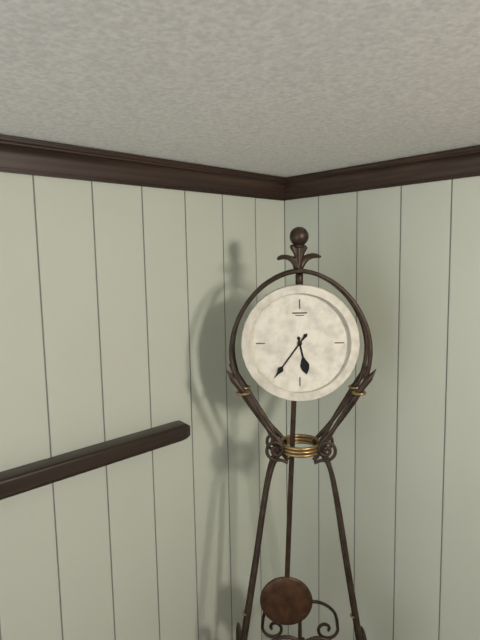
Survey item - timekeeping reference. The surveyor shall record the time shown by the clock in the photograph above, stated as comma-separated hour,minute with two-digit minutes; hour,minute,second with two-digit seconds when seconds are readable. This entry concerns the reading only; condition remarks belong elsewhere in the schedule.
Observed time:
5,36
